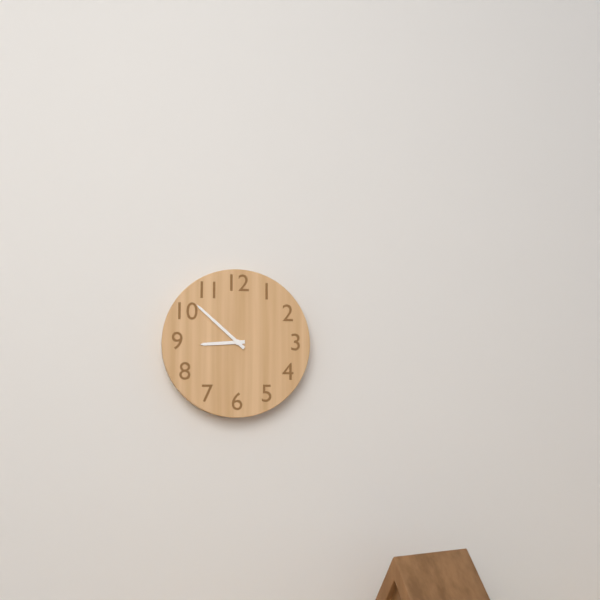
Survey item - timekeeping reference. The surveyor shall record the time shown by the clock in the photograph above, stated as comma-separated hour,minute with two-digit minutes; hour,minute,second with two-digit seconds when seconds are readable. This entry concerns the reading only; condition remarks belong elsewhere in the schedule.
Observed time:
8,52
